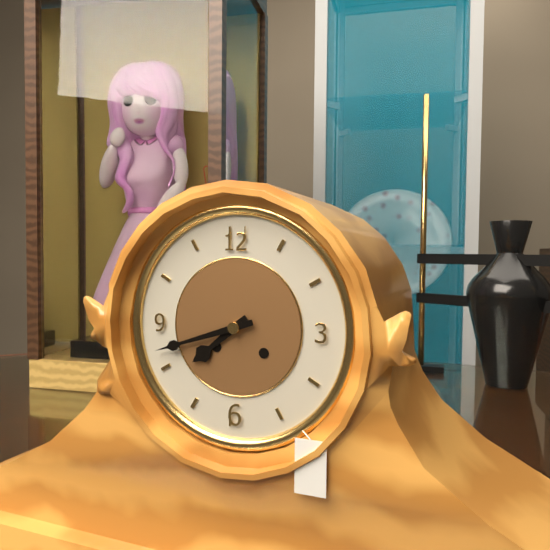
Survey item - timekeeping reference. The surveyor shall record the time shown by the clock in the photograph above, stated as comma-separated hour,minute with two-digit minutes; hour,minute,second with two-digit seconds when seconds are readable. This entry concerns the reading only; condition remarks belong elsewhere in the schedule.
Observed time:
7,42
